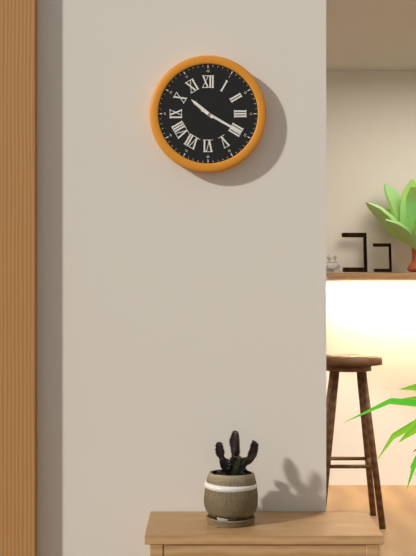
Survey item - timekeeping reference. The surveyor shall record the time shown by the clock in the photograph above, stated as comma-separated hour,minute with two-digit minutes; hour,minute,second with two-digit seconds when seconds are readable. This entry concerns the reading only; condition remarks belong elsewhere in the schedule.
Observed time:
10,20
